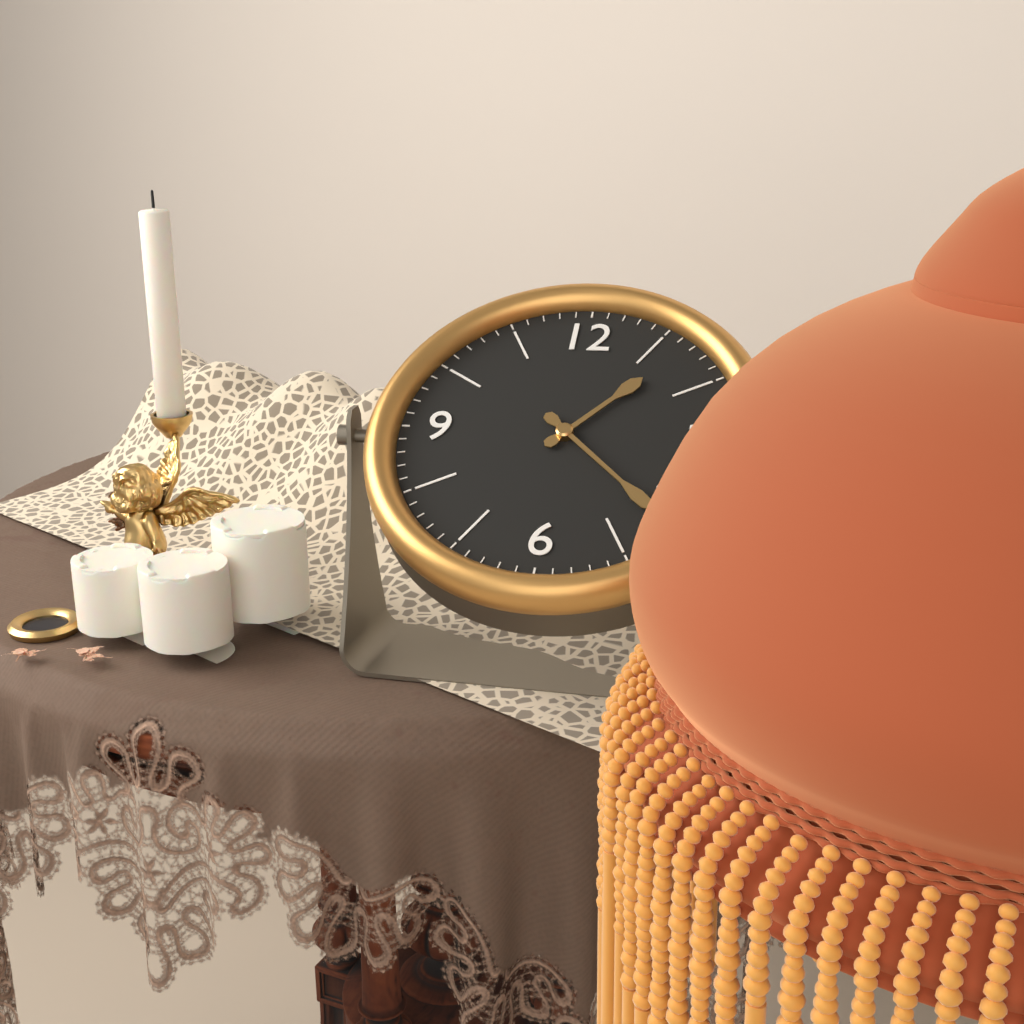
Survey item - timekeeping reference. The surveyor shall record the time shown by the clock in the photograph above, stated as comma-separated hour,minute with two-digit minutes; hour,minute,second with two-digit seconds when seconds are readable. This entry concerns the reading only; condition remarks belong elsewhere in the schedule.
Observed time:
1,22
